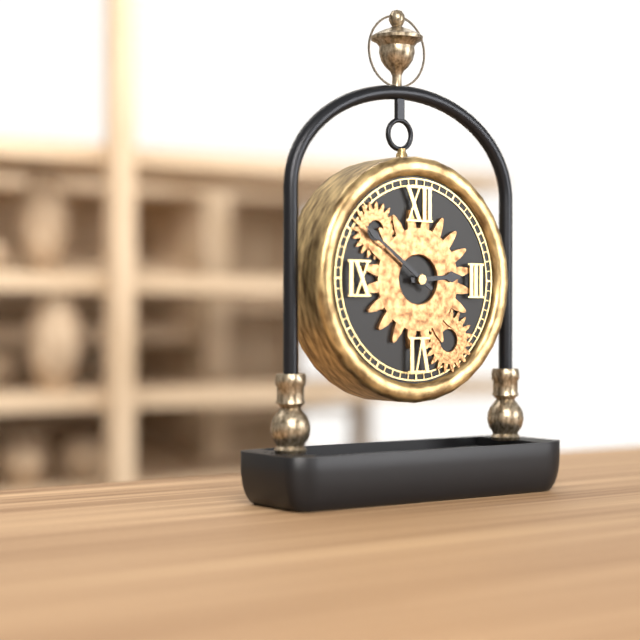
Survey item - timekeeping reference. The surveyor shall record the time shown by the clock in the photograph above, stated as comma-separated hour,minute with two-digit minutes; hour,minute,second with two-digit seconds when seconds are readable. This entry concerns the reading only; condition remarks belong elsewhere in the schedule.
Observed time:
2,51
